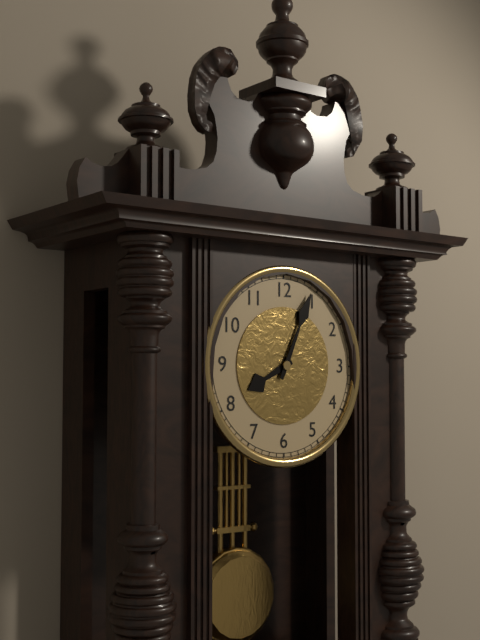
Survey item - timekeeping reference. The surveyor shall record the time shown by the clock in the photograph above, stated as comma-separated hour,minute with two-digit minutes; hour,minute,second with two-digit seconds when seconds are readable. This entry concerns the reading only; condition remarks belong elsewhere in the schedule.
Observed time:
8,04
